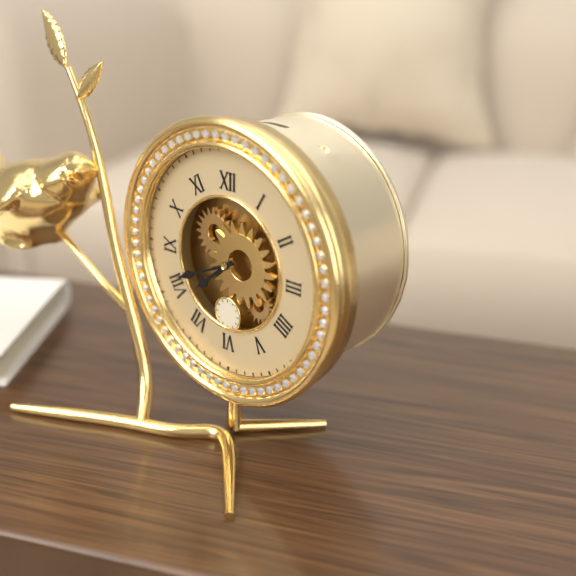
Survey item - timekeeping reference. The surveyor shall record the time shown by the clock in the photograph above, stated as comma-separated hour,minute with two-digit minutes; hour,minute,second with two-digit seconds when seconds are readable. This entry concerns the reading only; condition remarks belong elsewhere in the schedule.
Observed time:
7,41
